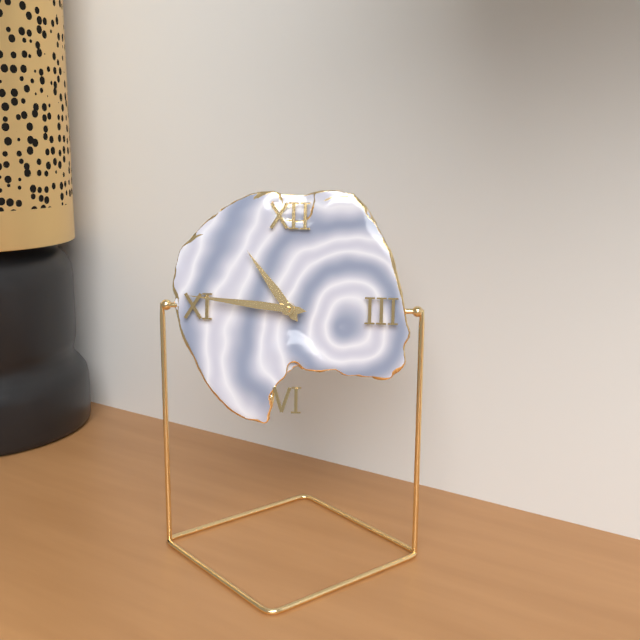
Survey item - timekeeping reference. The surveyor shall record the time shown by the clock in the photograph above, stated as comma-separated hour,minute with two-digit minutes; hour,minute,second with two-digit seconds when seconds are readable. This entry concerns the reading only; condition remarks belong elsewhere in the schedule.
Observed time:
10,46
